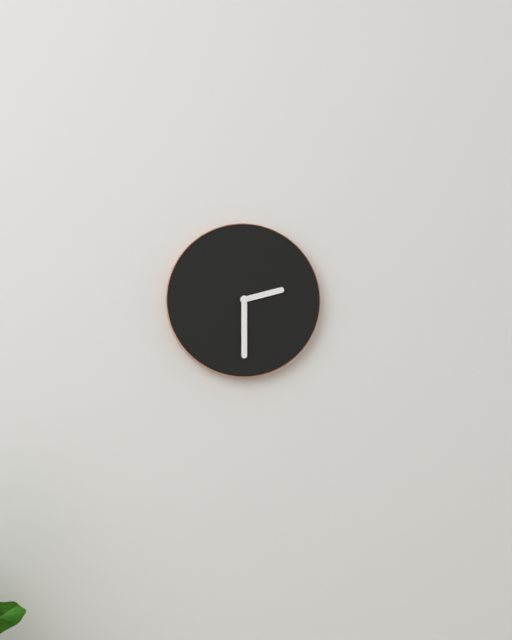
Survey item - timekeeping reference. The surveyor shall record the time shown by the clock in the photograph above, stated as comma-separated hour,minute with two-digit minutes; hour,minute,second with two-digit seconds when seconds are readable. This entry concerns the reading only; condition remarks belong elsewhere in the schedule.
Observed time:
2,30
